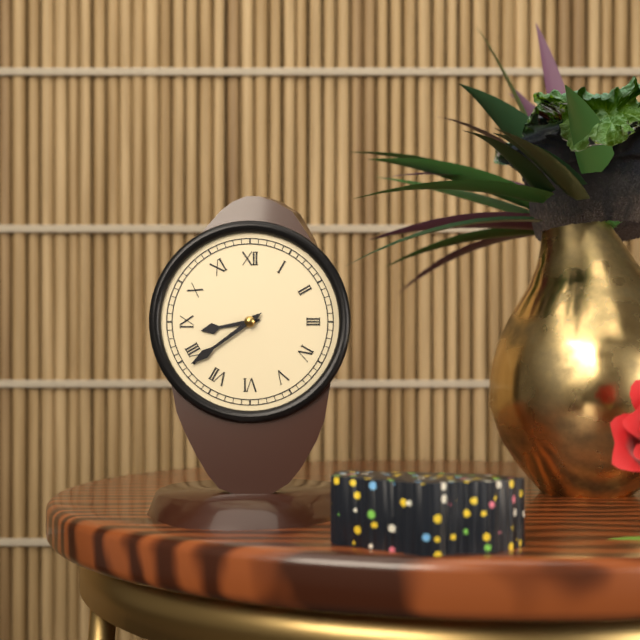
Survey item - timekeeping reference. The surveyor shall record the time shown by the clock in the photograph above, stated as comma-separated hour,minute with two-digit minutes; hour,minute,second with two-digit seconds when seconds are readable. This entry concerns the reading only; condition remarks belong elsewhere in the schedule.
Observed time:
8,39
